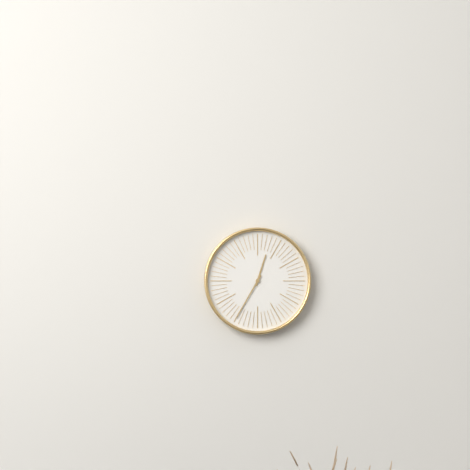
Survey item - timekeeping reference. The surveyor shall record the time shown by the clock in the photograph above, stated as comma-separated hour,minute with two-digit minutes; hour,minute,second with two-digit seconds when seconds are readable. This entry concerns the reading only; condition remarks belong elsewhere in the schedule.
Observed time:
12,35
